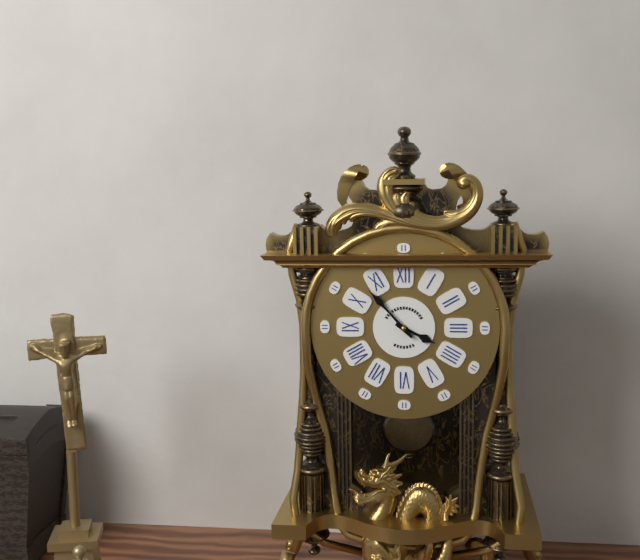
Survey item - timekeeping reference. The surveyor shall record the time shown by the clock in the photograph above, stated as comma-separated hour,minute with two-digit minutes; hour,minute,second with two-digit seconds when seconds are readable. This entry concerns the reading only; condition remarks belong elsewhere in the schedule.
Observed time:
3,53
